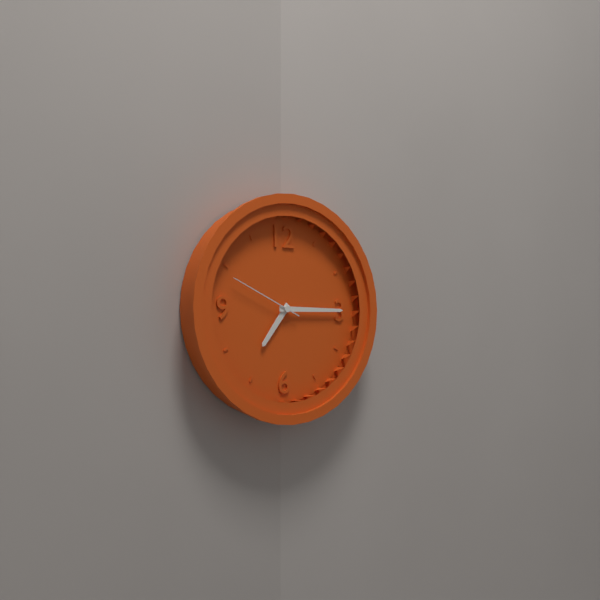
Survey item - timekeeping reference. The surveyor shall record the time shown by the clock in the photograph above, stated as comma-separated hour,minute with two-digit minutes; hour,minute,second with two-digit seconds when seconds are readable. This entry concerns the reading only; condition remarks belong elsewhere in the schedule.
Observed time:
7,15,49
